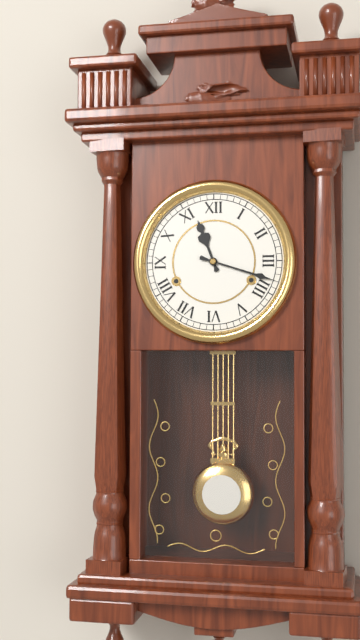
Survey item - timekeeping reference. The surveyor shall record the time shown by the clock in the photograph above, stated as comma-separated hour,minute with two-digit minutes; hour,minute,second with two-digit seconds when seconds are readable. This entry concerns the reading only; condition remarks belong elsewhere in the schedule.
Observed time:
11,18
